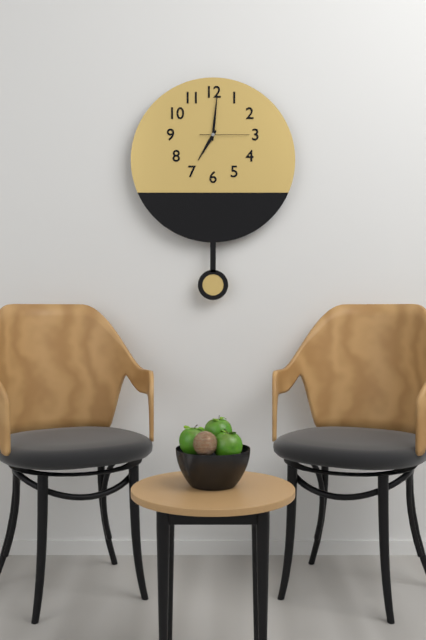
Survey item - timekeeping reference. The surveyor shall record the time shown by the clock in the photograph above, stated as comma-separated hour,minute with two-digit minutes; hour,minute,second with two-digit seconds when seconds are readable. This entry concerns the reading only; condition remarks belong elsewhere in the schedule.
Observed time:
7,01
